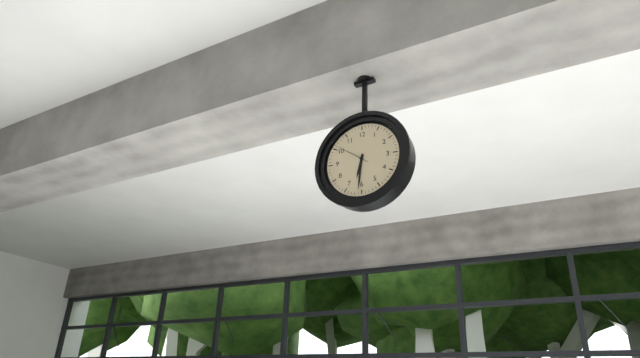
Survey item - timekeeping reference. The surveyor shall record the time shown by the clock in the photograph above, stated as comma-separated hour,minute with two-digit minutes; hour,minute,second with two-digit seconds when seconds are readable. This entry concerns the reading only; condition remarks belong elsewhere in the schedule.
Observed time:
6,31
